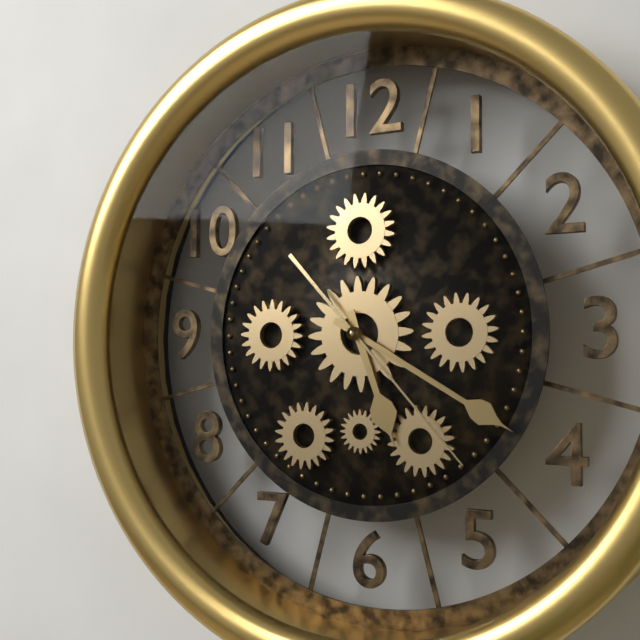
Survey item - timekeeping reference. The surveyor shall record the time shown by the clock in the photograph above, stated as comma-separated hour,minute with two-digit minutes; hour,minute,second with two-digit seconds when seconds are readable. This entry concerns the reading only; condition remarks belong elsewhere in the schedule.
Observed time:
5,20,23
